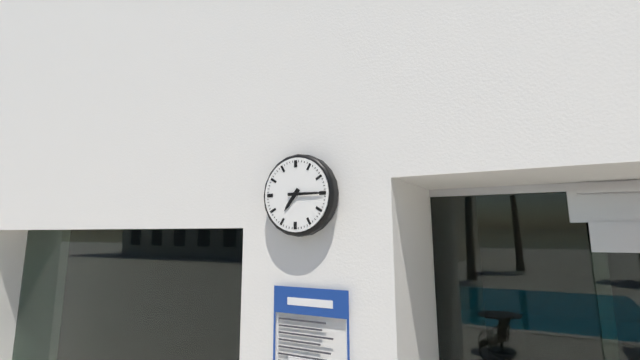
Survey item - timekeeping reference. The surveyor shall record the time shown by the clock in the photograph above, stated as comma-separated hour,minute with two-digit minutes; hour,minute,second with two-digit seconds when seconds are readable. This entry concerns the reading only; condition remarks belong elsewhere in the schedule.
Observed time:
7,15
